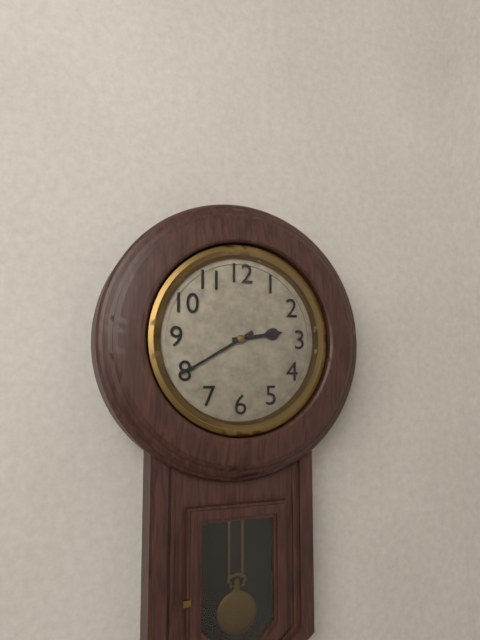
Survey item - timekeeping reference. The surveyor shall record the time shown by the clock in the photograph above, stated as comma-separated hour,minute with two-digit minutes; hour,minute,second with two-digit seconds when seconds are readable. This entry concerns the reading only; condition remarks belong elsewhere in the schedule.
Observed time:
2,40
